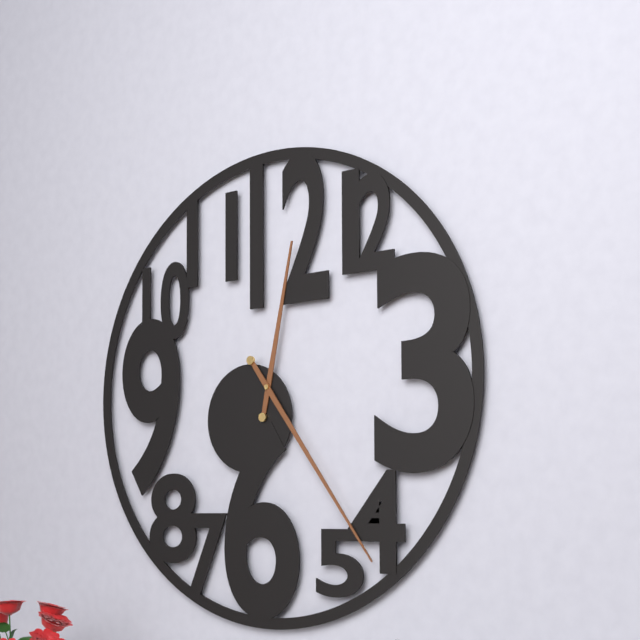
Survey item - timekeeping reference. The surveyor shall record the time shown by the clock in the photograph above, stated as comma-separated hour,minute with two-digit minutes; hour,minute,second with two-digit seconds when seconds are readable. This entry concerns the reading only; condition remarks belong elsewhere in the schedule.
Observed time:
12,24
